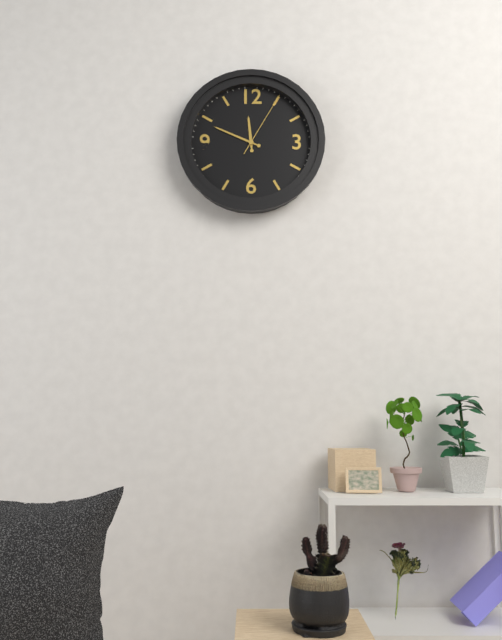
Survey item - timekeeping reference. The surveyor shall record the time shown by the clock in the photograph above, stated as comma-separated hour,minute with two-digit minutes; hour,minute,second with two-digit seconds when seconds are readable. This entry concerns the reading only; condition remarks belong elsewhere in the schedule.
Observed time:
11,49,05
